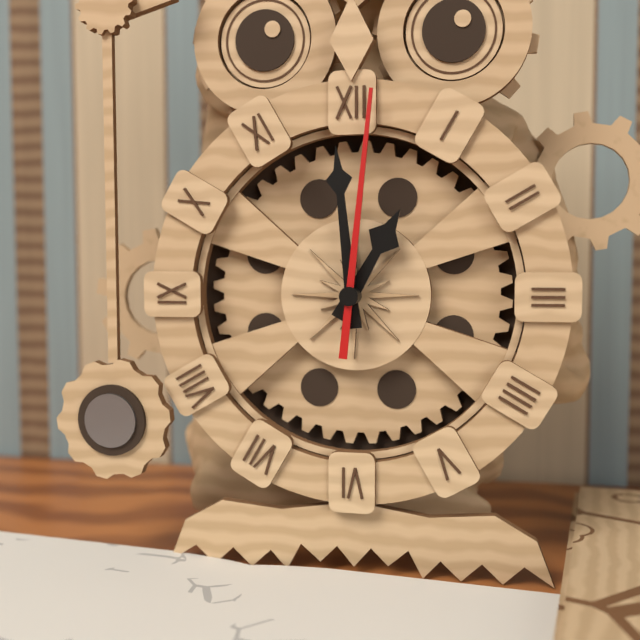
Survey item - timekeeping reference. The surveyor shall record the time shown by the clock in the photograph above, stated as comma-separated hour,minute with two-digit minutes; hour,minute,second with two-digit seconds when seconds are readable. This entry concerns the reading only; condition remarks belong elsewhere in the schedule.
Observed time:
12,59,01
